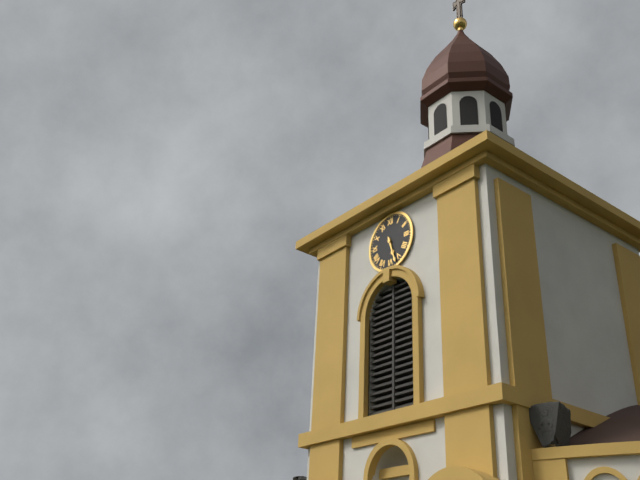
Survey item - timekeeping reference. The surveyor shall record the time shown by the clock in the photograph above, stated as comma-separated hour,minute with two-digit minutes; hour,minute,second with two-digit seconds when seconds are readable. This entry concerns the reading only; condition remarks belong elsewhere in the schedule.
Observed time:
5,27
